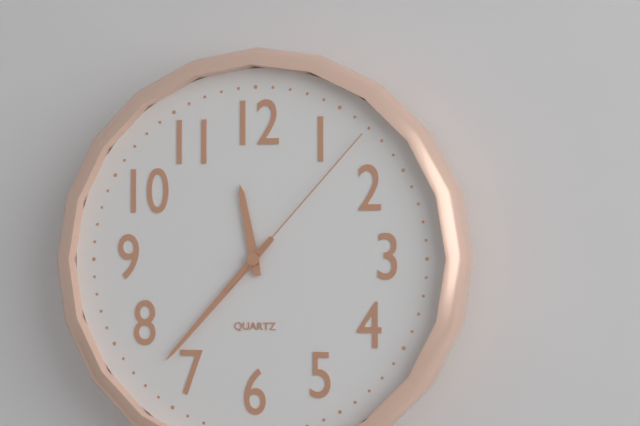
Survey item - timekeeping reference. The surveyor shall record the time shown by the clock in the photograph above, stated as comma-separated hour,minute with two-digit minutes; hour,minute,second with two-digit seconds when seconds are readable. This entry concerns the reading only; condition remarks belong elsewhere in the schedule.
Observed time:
11,37,07
